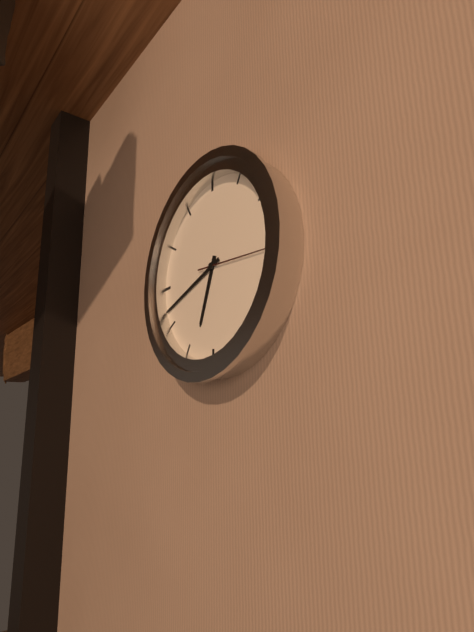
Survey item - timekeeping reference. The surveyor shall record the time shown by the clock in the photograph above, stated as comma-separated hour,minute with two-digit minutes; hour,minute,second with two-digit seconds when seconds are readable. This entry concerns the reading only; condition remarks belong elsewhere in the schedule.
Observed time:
6,42,16
